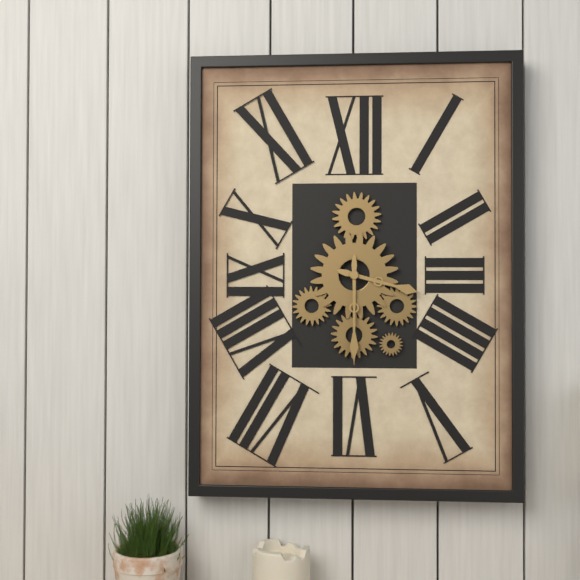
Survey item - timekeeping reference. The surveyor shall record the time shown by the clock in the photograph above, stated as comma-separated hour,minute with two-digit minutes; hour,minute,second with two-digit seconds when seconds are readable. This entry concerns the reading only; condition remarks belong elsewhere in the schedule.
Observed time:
3,30
